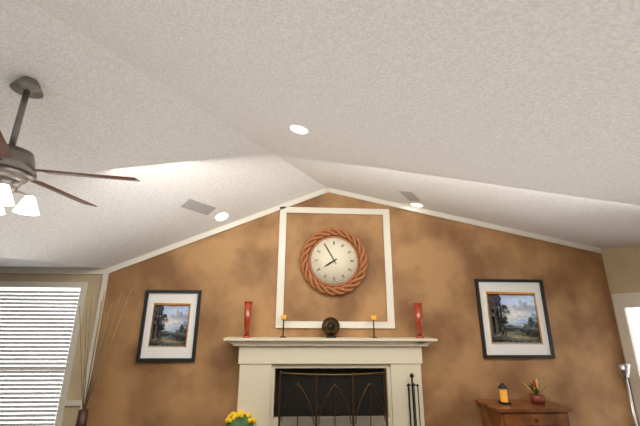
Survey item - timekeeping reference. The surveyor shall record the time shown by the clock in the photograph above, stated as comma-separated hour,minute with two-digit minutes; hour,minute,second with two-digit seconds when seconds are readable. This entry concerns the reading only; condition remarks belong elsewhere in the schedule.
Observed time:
7,55
